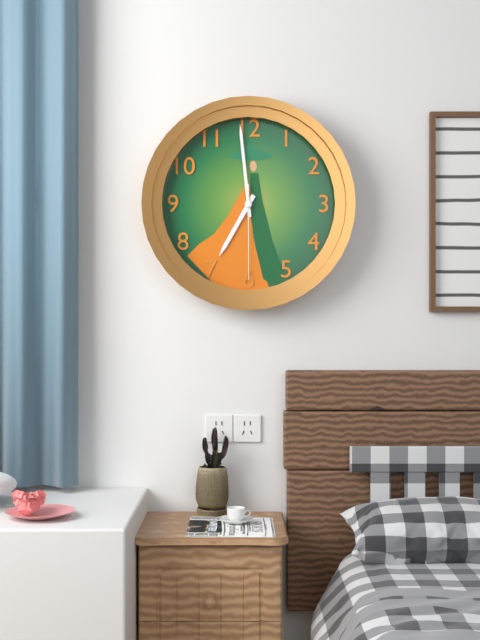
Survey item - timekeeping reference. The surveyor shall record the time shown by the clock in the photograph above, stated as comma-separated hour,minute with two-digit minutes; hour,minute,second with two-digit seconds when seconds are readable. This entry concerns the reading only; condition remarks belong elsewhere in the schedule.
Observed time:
6,59,30
